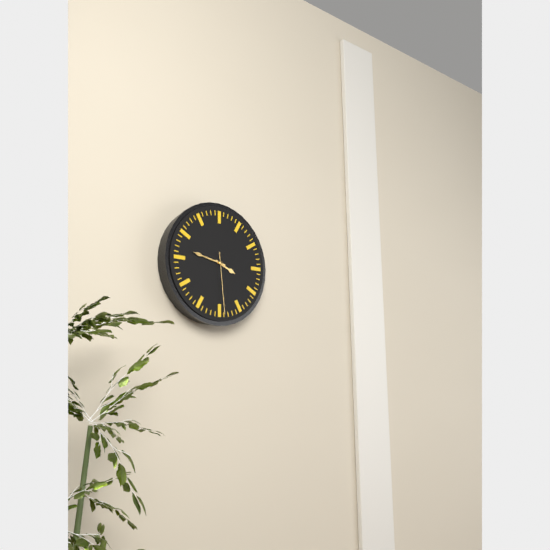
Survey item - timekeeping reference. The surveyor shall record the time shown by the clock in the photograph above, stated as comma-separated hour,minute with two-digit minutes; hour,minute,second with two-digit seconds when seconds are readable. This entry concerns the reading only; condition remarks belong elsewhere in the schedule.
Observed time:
3,47,29
